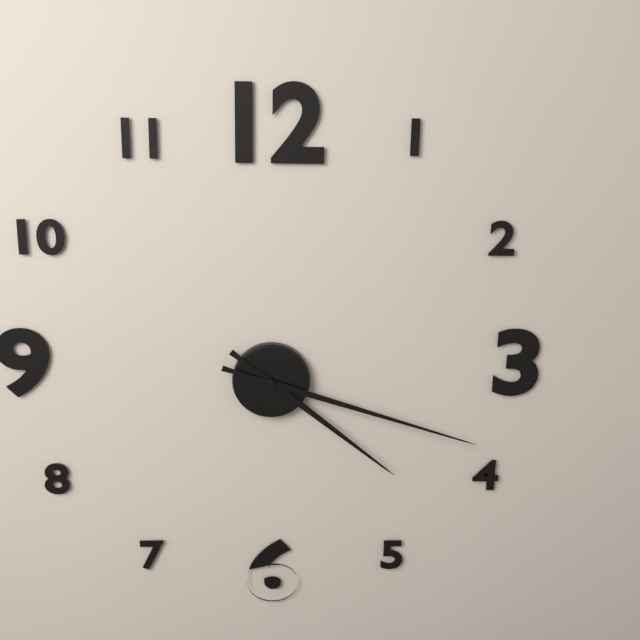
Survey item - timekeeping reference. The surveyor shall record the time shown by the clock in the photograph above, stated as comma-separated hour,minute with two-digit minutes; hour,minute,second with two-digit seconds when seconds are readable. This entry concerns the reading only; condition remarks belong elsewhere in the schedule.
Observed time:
4,18
